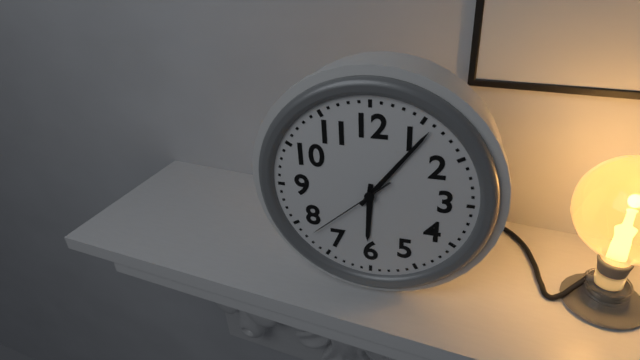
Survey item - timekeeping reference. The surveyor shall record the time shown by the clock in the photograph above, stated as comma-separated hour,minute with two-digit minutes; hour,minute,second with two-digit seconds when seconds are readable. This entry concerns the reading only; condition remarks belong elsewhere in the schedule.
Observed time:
6,06,38
